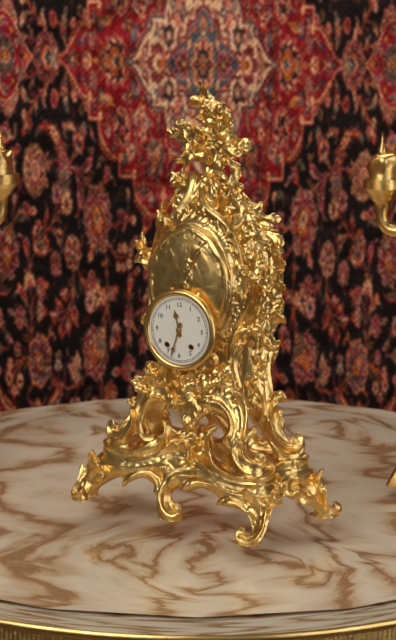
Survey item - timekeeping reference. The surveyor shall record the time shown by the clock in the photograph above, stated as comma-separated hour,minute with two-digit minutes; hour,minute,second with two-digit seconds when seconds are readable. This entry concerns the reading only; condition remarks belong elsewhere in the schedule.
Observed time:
11,33
